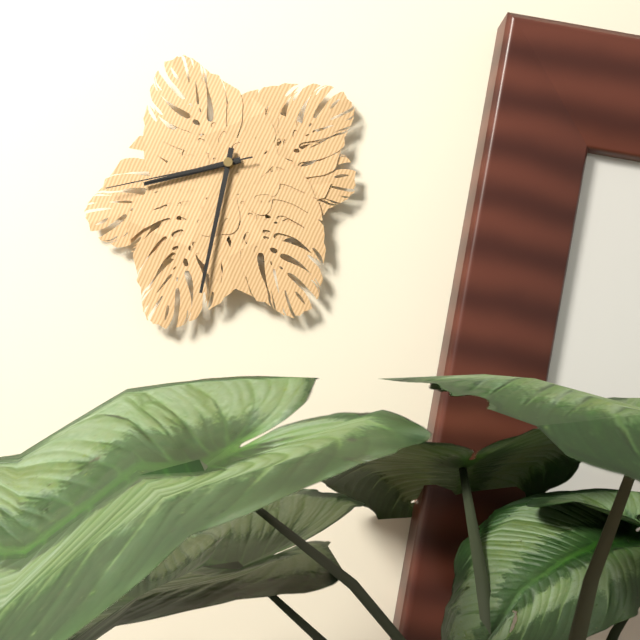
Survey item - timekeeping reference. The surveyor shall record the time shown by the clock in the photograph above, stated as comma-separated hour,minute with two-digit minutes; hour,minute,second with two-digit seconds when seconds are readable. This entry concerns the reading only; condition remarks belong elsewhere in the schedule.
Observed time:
8,32,43
